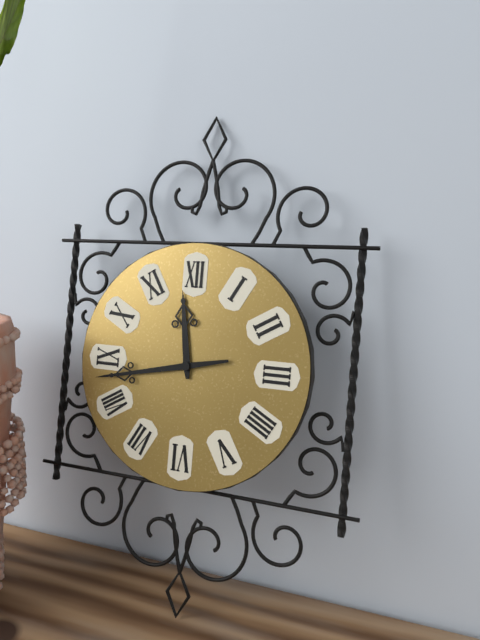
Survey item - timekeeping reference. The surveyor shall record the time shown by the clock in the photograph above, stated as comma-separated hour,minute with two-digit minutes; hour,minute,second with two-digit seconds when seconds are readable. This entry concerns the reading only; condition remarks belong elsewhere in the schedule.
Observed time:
11,43
